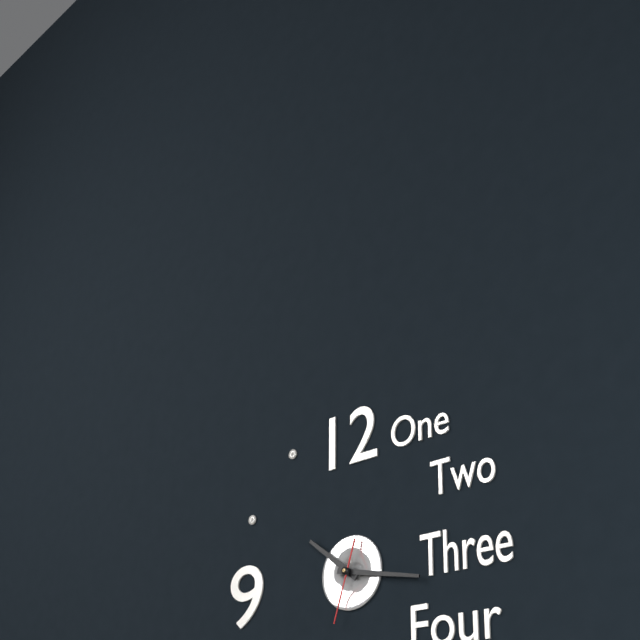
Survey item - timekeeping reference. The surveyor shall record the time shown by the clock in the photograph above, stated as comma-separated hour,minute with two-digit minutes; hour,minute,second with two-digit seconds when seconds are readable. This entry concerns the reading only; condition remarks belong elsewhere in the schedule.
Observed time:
10,17,33
